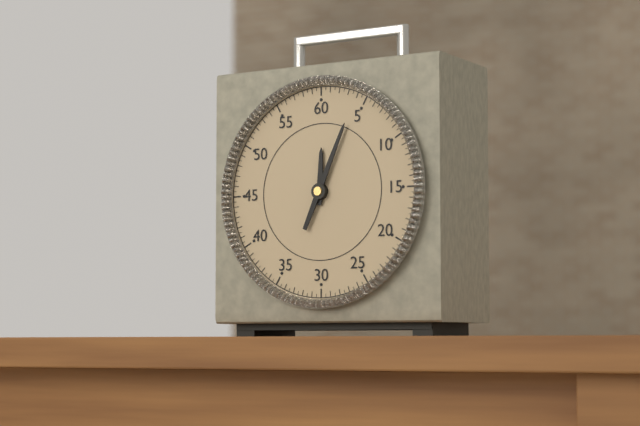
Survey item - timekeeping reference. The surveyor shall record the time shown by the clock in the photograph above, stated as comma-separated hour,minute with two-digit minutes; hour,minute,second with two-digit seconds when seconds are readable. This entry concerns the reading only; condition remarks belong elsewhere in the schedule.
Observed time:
12,04
